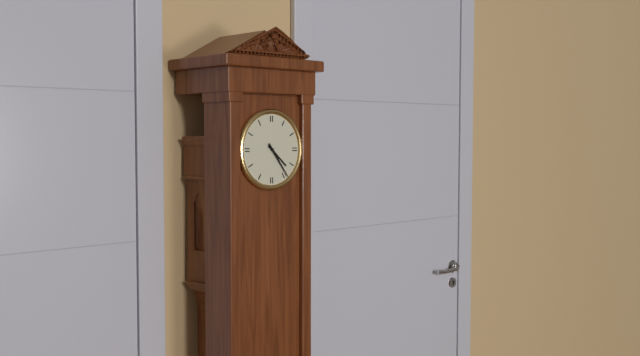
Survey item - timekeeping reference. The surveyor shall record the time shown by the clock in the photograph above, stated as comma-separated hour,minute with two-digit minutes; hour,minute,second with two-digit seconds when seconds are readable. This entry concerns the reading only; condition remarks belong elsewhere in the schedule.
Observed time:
4,24
